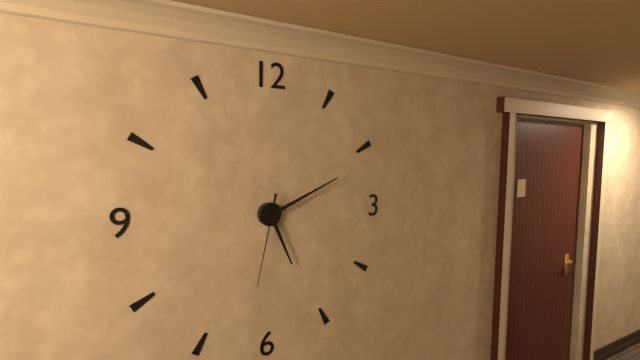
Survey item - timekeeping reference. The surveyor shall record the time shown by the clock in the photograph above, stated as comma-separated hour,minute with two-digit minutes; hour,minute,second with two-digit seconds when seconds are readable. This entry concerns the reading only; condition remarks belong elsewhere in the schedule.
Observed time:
5,11,32
